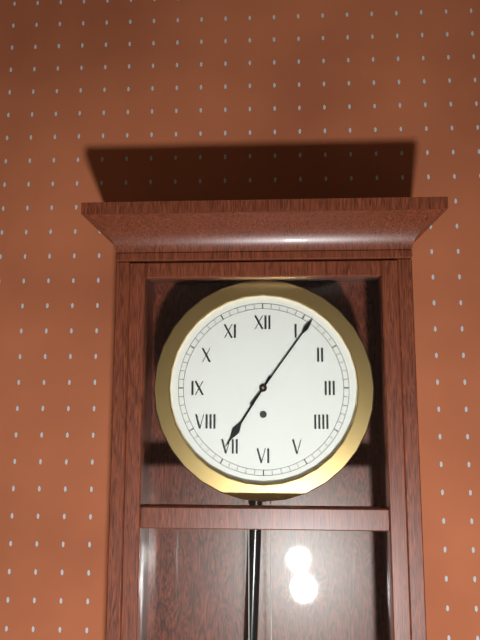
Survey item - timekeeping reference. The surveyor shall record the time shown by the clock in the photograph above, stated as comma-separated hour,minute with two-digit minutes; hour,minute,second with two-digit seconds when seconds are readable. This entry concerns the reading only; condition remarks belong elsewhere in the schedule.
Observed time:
7,06
